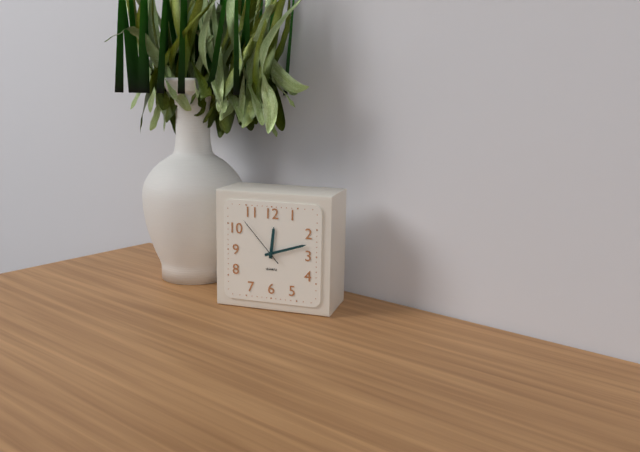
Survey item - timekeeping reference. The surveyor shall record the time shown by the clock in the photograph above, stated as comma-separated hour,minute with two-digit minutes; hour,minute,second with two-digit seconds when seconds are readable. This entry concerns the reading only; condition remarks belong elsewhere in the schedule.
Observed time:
12,12,53
